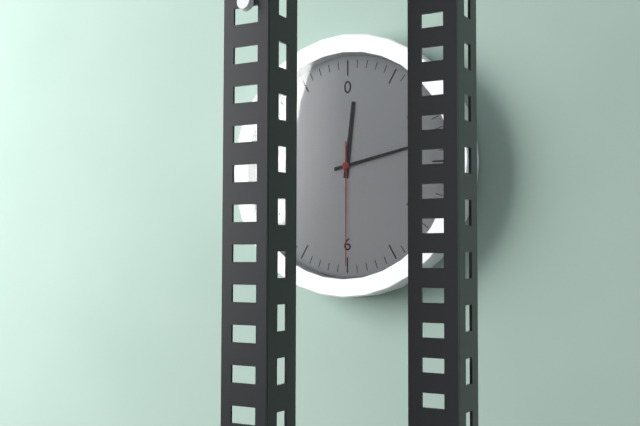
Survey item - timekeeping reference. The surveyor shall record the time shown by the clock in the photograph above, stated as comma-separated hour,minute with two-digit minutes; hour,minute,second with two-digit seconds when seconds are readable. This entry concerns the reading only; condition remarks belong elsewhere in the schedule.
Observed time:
12,13,30
